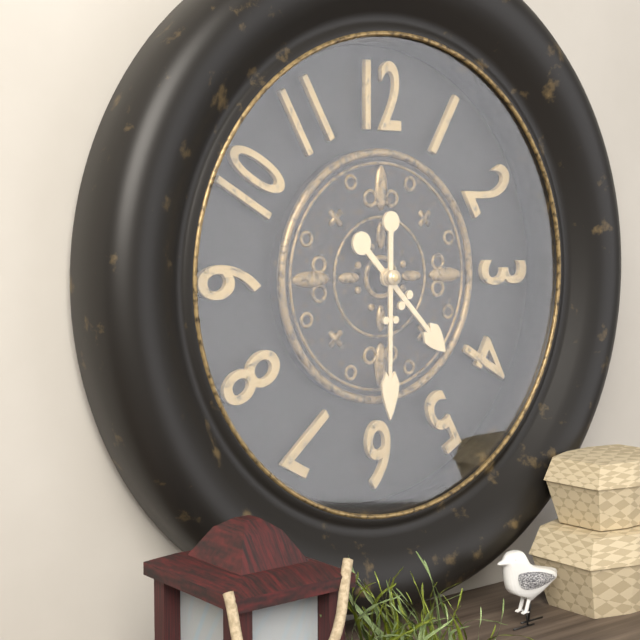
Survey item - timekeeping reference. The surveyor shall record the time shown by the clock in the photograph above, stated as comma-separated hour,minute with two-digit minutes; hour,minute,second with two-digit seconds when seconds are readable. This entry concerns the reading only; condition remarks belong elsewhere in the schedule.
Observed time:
4,30
